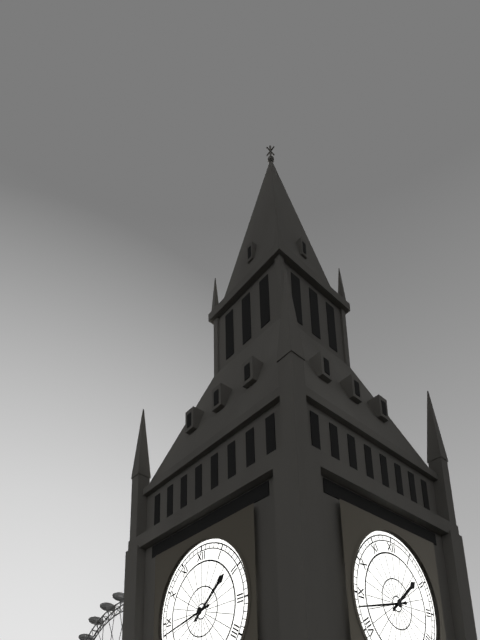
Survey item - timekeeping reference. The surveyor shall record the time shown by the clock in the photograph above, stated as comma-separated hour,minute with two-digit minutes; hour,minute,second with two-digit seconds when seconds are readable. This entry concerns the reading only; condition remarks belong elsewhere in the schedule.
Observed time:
1,43
